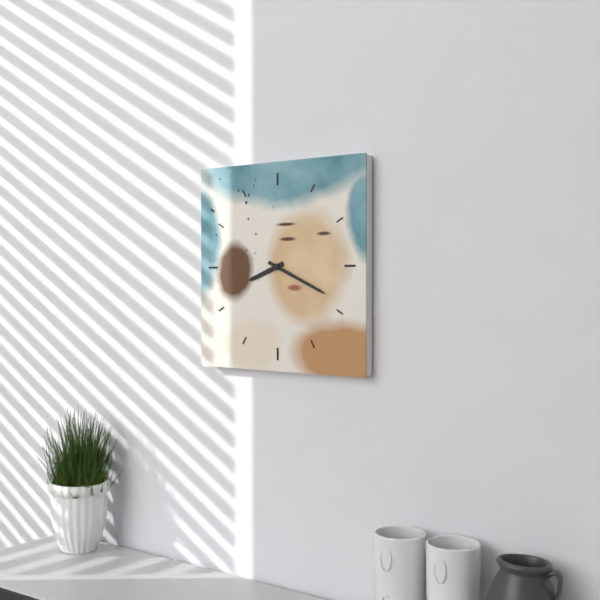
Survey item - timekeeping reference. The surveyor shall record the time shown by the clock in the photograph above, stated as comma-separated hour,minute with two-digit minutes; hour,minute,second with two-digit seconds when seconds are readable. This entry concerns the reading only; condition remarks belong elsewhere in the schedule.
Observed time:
8,19
